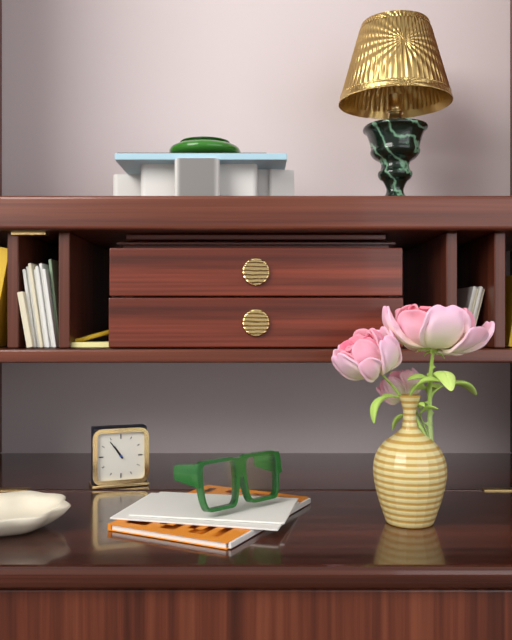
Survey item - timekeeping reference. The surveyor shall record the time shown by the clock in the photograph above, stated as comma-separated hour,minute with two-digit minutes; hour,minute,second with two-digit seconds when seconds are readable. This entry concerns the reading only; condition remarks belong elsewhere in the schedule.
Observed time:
10,54
